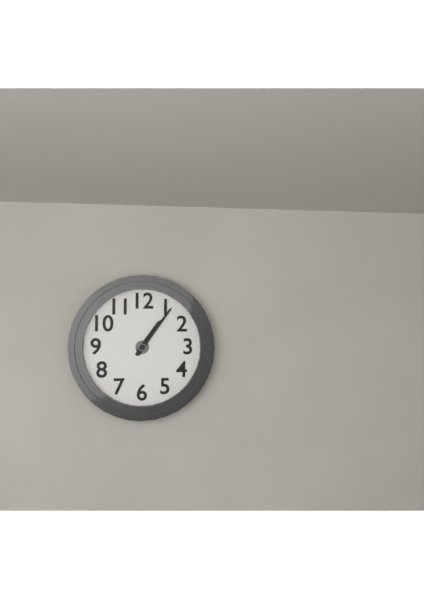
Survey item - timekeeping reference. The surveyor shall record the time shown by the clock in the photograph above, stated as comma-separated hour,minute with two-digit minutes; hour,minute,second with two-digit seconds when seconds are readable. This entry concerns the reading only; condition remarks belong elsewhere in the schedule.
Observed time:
1,06
